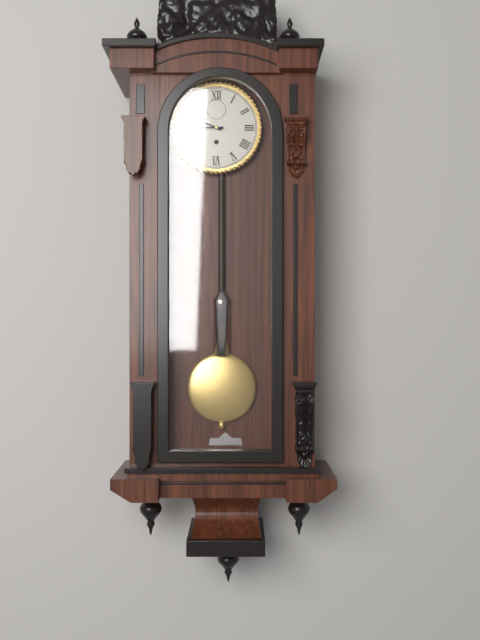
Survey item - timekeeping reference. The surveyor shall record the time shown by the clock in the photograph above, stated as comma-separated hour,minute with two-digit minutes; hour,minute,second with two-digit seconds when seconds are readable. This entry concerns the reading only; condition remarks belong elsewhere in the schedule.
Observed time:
9,45
